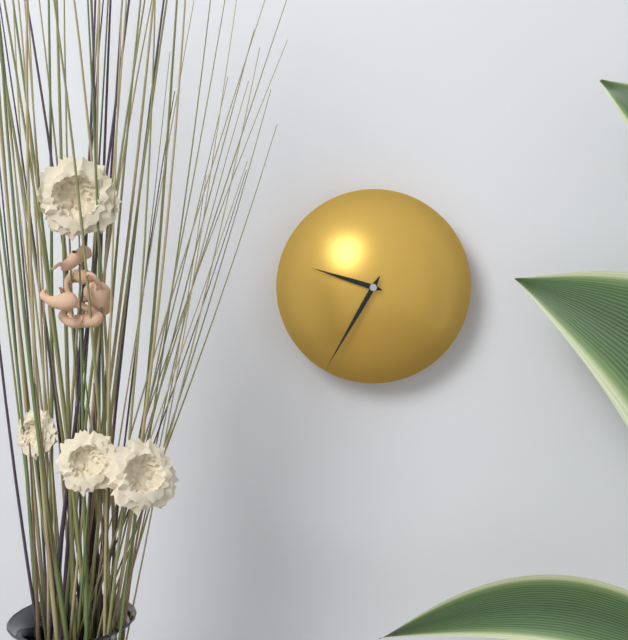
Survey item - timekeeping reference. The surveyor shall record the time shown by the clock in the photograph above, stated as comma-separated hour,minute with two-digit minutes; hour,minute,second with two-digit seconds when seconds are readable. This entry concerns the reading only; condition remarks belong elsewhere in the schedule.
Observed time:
9,35
